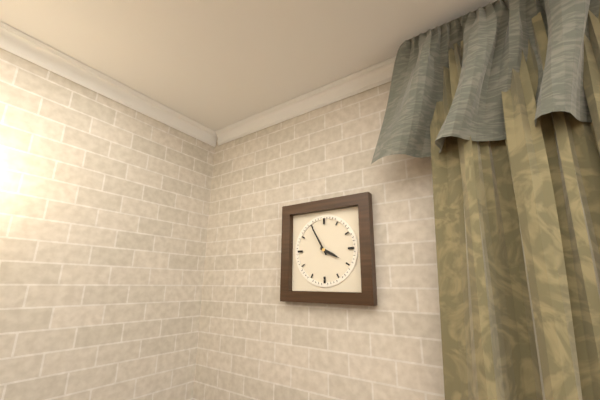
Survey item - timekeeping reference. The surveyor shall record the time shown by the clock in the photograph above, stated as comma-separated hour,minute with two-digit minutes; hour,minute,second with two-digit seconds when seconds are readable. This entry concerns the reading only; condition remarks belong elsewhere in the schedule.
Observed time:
3,55
